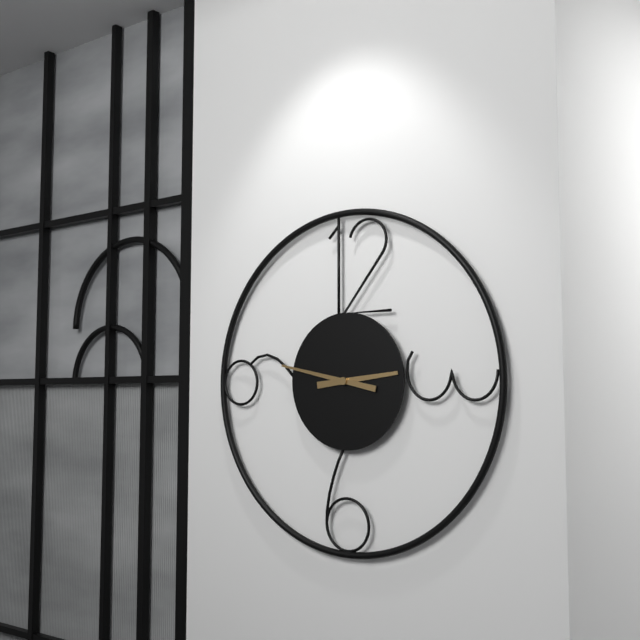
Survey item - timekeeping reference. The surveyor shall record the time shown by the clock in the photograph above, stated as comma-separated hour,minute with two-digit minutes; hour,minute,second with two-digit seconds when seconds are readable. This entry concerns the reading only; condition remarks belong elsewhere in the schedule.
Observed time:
2,47
